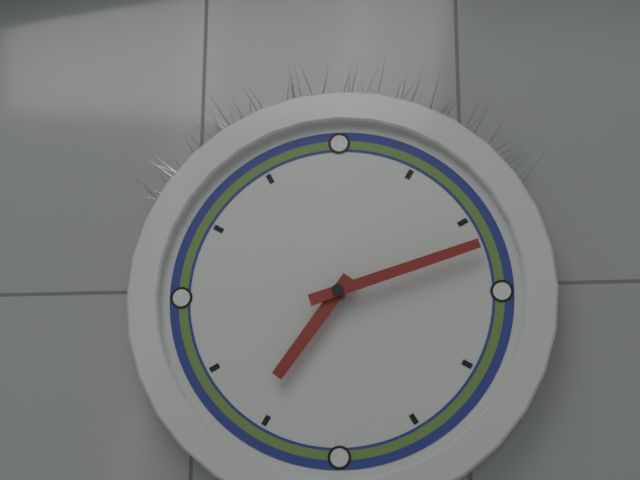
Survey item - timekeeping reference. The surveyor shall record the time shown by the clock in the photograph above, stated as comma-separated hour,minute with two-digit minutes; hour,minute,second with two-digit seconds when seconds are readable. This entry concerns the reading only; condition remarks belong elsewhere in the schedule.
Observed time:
7,12
